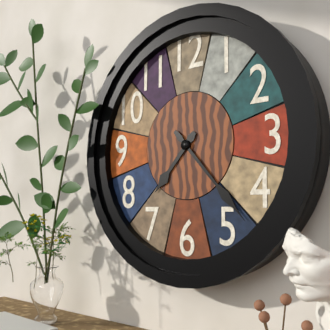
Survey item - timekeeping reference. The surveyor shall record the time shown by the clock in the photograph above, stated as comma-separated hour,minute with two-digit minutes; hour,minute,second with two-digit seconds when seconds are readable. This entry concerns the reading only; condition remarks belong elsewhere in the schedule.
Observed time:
7,23
